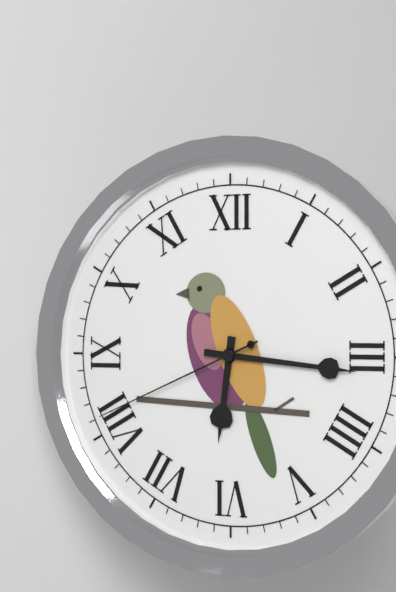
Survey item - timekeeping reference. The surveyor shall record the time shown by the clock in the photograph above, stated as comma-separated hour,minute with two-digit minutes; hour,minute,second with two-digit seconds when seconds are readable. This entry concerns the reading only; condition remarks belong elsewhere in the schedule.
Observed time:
6,16,41
